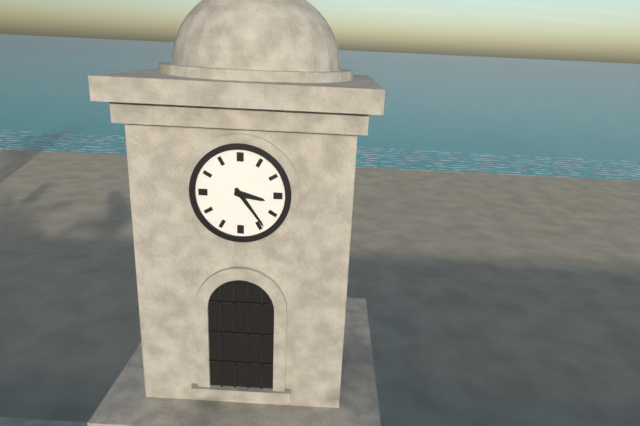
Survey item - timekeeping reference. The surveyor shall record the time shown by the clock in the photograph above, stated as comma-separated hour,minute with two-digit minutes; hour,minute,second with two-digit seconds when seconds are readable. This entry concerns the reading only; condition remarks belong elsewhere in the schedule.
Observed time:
3,24
